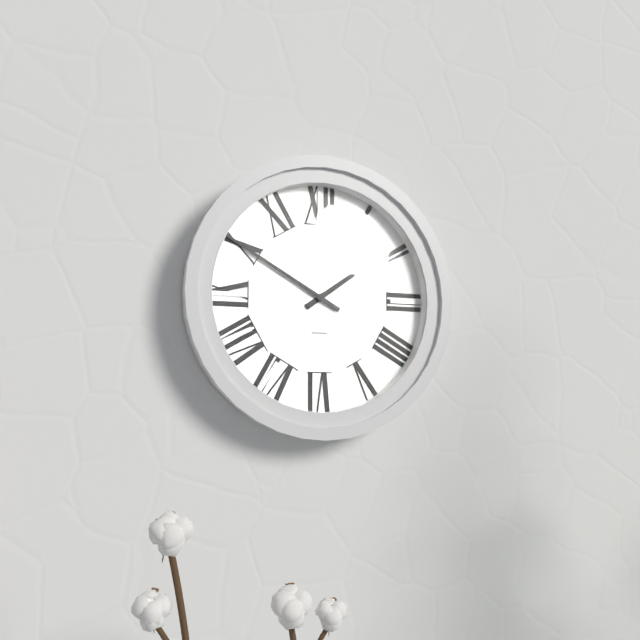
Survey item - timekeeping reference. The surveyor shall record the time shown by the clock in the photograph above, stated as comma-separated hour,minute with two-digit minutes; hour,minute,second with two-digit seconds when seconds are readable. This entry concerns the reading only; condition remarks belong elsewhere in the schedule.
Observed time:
1,50
